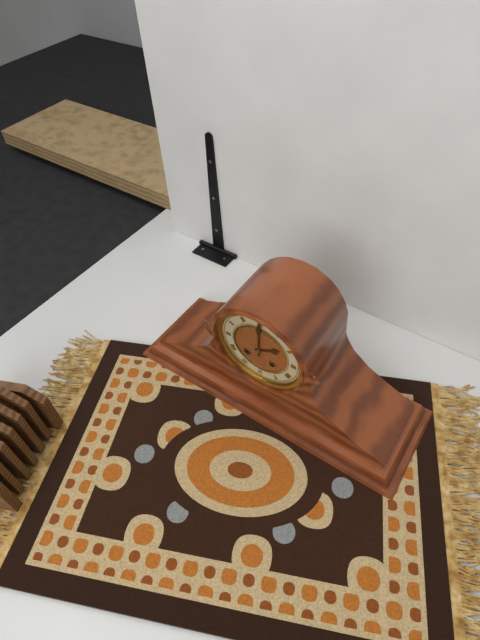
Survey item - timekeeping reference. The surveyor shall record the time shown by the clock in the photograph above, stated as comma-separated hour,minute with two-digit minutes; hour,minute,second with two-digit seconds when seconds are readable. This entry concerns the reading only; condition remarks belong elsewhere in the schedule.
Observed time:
2,00
